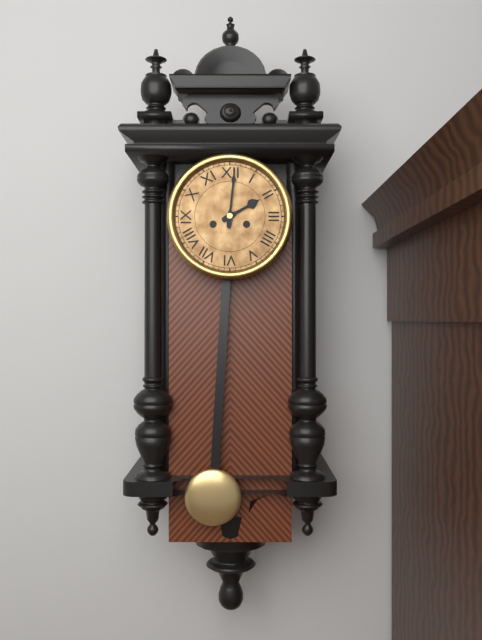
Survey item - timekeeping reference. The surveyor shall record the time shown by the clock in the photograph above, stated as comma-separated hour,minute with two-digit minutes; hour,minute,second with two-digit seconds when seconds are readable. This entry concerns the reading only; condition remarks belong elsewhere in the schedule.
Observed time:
2,01
